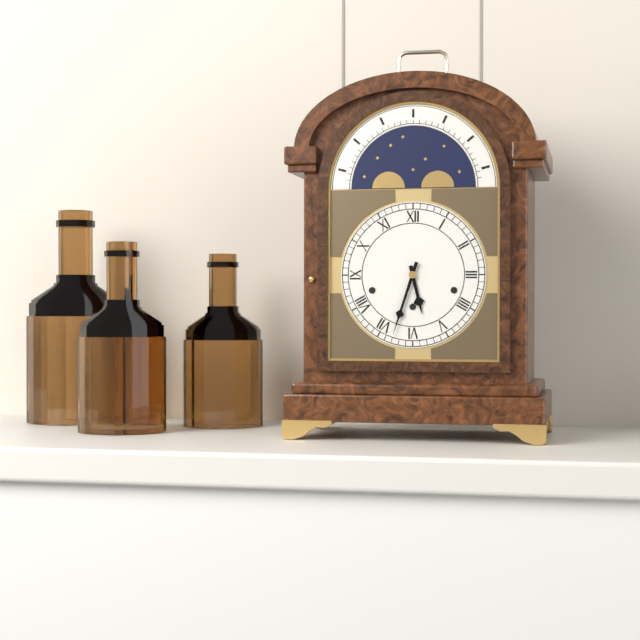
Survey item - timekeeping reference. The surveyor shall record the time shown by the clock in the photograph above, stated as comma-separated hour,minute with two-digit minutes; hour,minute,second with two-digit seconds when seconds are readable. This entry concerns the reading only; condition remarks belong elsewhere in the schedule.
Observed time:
5,33
